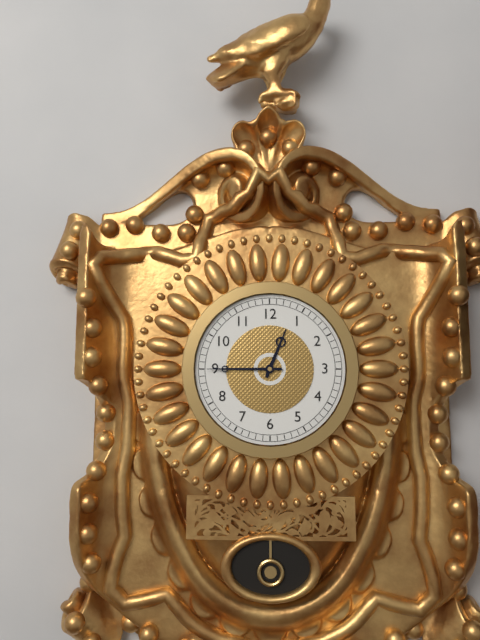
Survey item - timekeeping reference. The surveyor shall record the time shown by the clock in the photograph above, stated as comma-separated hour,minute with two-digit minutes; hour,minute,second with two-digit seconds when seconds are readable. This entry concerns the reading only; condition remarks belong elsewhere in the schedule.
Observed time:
12,45
